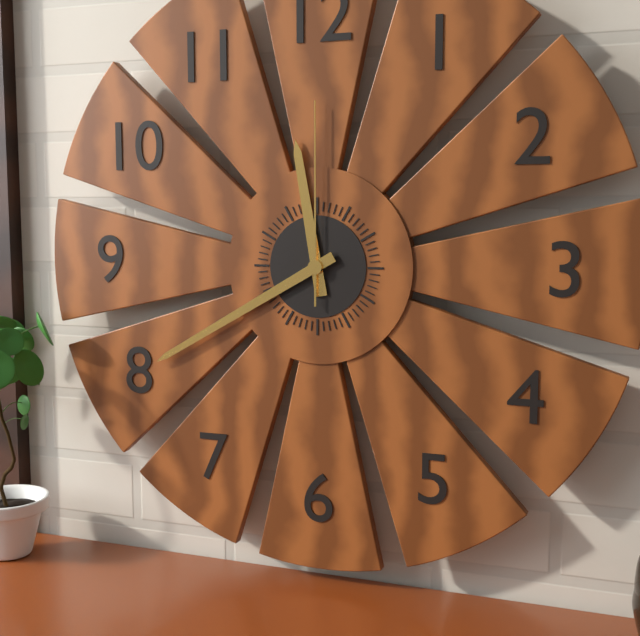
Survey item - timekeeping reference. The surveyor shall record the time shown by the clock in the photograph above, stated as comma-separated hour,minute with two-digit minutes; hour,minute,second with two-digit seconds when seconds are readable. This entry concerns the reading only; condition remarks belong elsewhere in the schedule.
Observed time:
11,40,00
